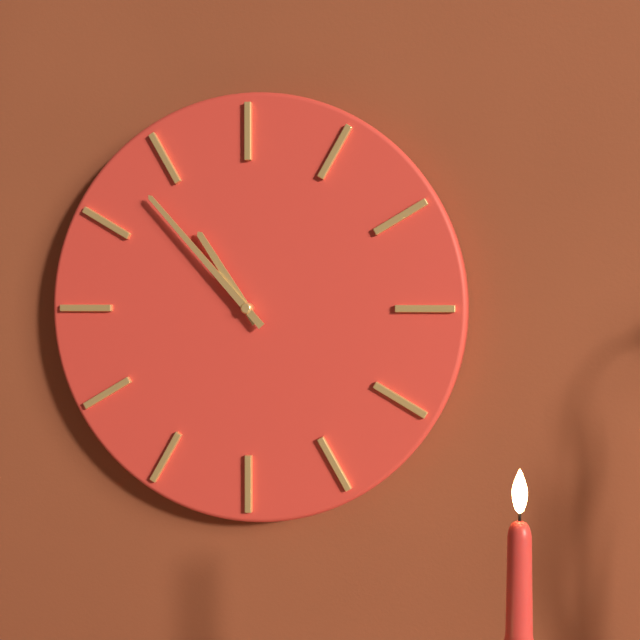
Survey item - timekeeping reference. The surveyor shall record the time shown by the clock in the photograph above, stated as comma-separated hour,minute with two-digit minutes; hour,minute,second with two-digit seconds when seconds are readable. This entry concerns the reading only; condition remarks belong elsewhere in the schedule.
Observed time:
10,53
